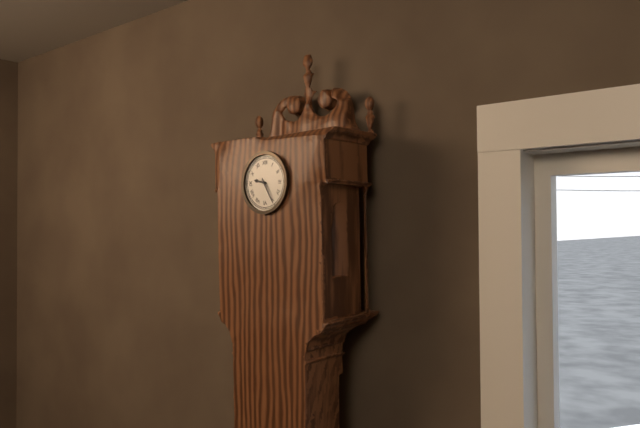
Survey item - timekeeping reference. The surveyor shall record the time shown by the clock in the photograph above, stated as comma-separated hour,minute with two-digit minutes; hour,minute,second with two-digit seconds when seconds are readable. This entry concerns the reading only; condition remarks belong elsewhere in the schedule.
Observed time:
9,25
